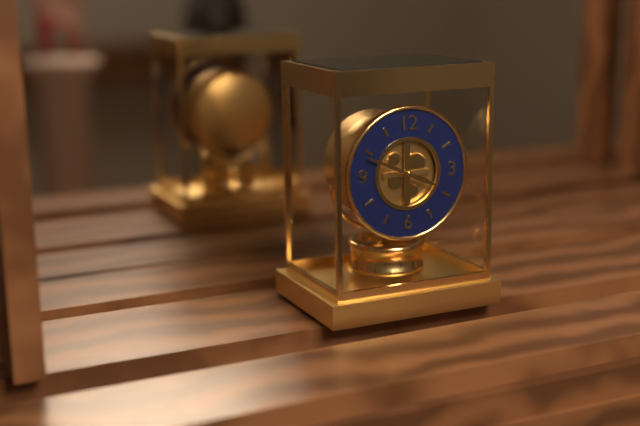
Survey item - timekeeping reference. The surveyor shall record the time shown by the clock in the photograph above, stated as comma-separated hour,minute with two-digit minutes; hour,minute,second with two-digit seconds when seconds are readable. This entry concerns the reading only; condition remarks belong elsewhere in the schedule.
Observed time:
3,49
